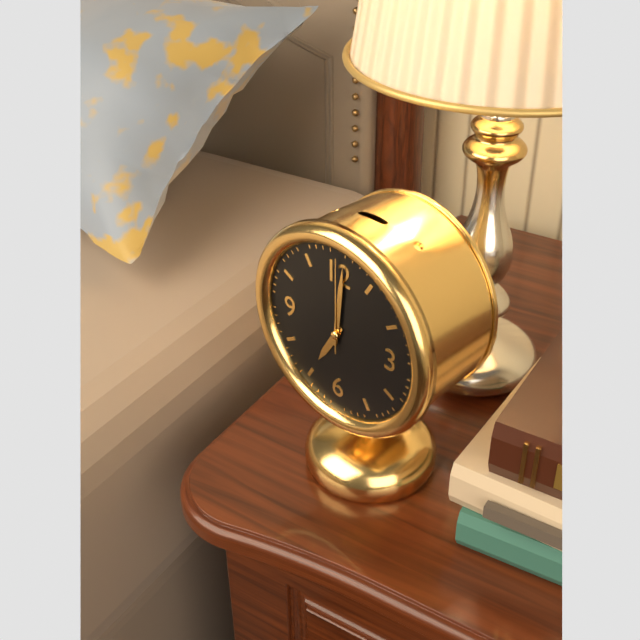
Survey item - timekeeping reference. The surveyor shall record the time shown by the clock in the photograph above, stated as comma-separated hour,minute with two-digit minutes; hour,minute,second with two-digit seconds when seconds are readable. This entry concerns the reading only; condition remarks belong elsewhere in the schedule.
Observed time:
7,01,00
